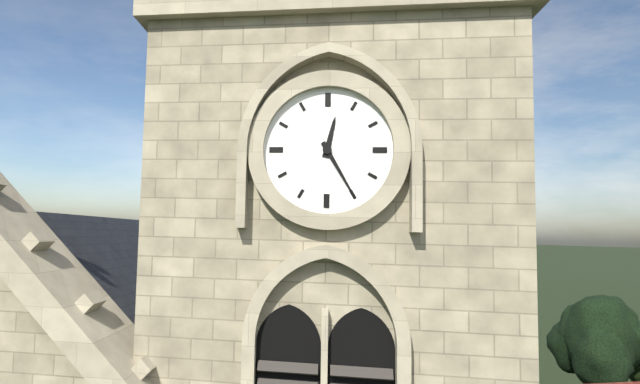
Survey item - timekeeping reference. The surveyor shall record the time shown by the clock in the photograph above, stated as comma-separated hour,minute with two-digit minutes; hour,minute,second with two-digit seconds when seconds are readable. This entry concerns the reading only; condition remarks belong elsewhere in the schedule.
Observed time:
12,25
